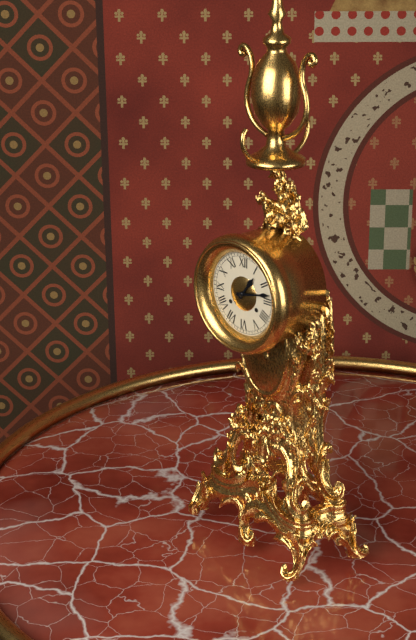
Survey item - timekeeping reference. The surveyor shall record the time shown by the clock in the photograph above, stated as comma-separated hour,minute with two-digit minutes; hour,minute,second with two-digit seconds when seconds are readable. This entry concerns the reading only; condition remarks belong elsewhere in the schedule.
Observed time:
1,13
